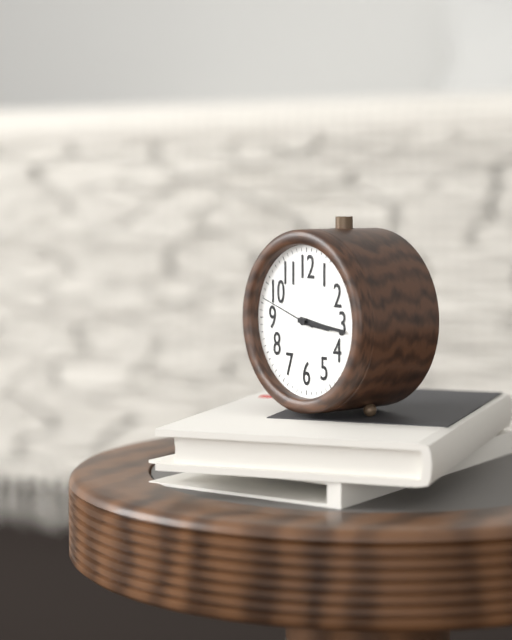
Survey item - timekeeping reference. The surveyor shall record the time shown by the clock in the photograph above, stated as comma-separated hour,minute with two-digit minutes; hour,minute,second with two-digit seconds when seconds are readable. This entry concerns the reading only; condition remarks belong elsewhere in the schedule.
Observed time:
3,16,48
